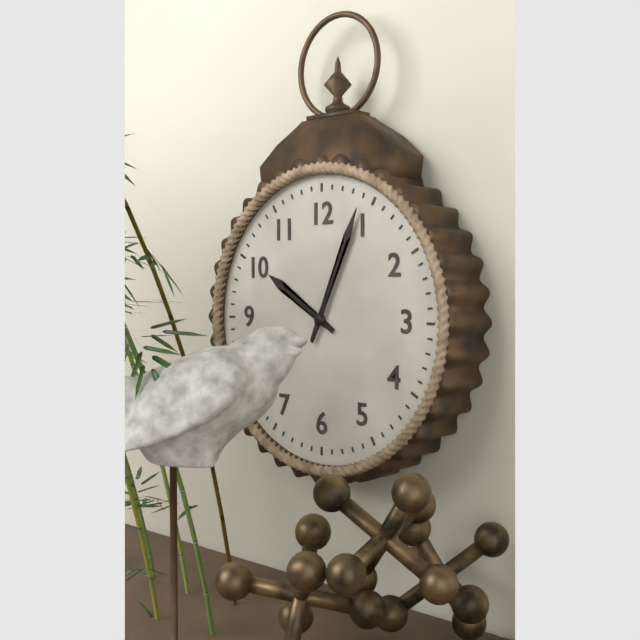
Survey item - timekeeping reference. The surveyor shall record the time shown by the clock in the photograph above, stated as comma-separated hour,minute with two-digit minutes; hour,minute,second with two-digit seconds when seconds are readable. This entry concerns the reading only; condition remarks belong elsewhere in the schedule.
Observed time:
10,04
